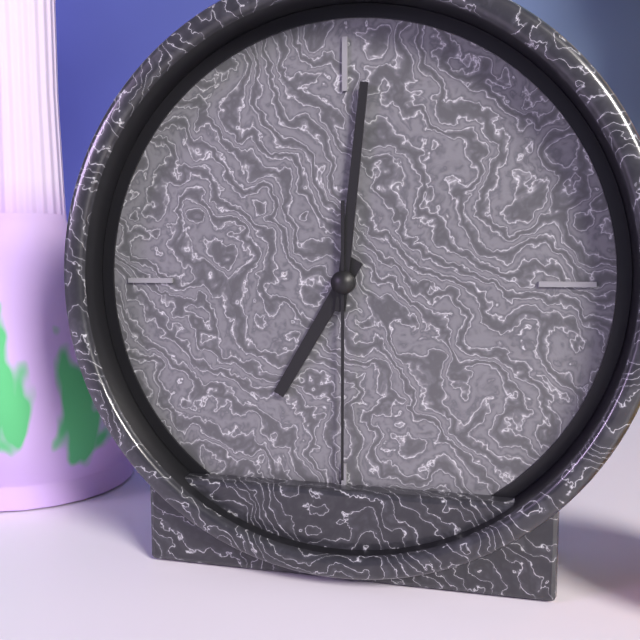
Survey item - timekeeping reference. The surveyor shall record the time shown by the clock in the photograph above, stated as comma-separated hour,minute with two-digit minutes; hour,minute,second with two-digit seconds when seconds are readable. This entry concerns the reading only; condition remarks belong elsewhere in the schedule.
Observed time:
7,01,30
